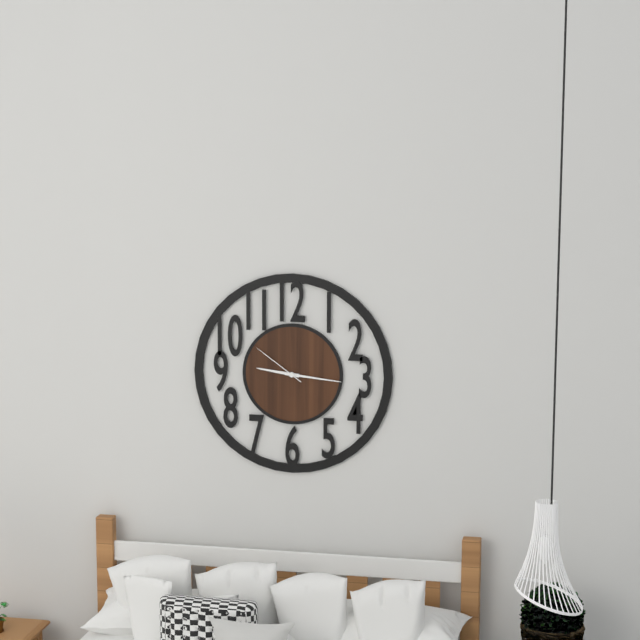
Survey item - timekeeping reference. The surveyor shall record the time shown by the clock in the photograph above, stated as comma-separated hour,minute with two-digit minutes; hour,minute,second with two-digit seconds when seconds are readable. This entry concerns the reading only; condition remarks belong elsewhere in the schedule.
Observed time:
9,16,51
